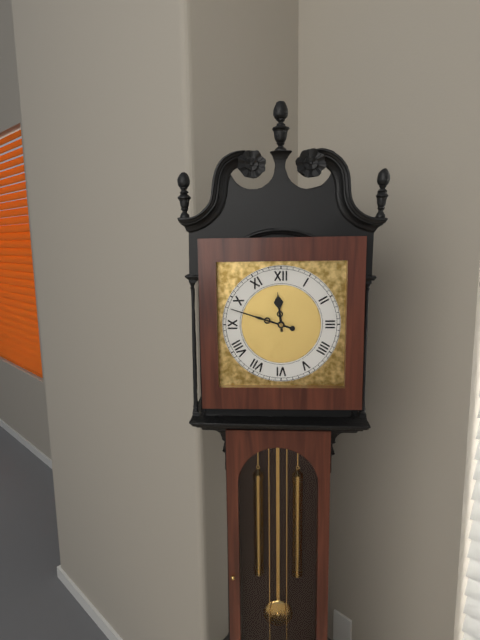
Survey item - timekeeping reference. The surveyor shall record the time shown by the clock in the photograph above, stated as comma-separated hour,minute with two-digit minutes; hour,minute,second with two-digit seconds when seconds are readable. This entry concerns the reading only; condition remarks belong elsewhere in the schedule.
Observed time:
11,48
